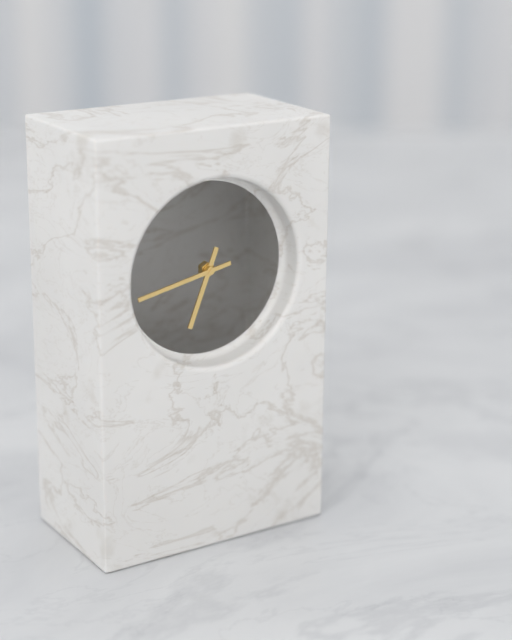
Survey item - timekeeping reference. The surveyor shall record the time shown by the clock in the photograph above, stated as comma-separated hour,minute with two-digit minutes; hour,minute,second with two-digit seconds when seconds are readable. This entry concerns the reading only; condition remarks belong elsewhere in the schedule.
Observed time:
6,43
